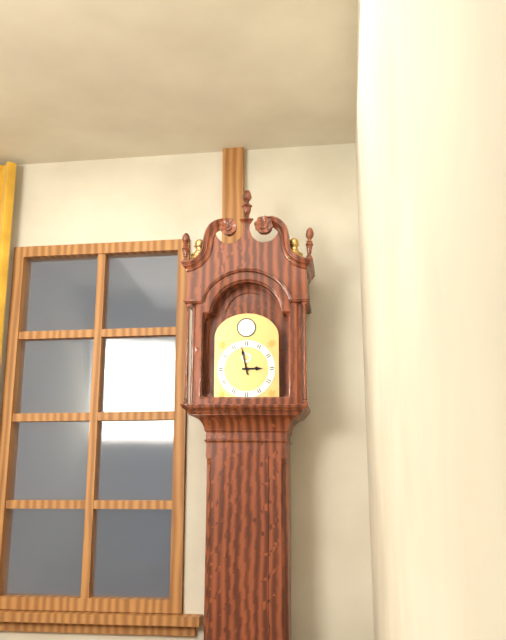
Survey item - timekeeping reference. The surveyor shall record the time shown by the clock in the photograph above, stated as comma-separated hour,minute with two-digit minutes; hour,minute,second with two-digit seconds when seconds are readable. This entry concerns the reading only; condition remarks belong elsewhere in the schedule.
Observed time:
2,58
